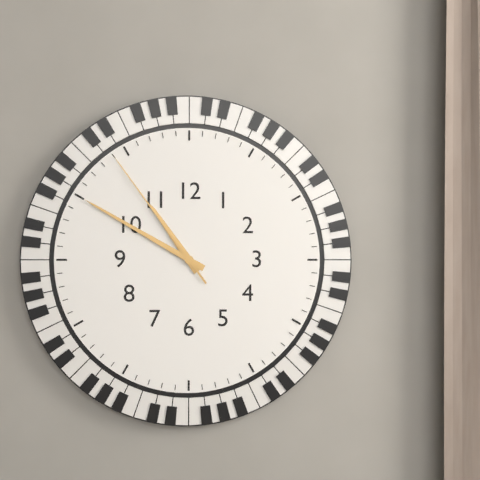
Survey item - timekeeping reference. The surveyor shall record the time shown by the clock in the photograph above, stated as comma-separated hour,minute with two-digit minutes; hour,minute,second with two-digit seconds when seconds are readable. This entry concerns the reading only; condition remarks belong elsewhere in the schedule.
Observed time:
10,50,54
